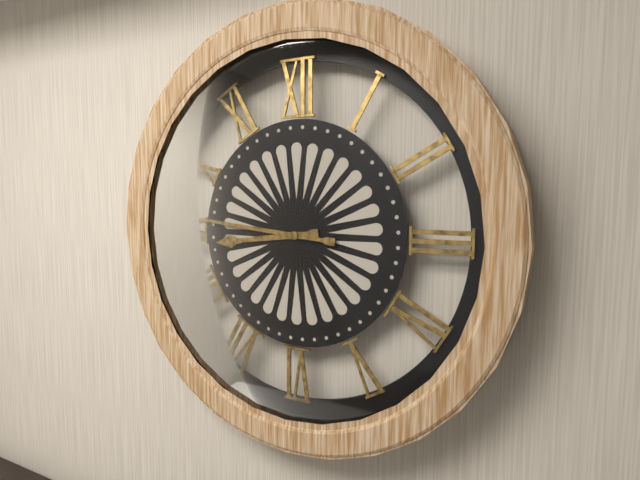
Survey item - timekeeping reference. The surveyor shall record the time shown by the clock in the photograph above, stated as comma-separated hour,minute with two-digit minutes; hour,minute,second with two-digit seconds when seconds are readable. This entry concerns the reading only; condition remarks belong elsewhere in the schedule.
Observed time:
8,46
